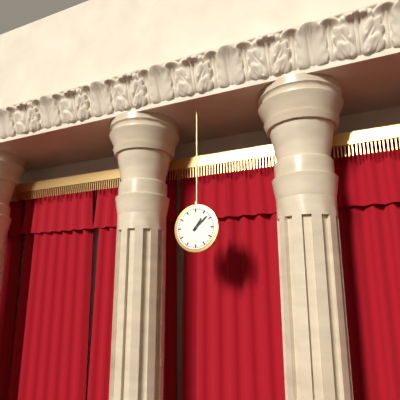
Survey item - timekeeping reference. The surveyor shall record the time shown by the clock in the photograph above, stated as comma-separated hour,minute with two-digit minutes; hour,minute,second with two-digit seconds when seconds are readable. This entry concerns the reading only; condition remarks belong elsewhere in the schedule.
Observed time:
1,08
